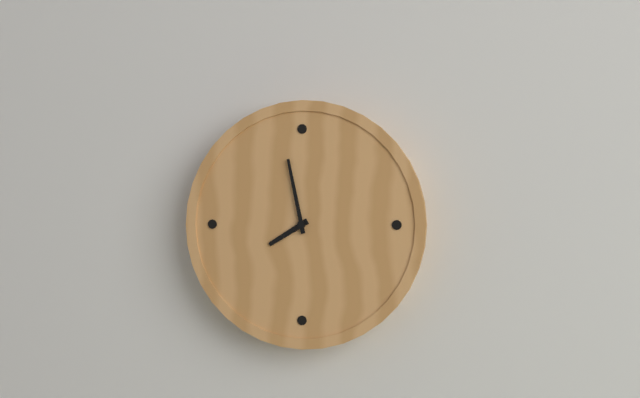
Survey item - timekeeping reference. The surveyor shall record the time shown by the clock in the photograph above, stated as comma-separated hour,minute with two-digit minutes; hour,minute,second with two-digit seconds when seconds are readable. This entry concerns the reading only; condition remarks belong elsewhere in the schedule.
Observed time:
7,58
